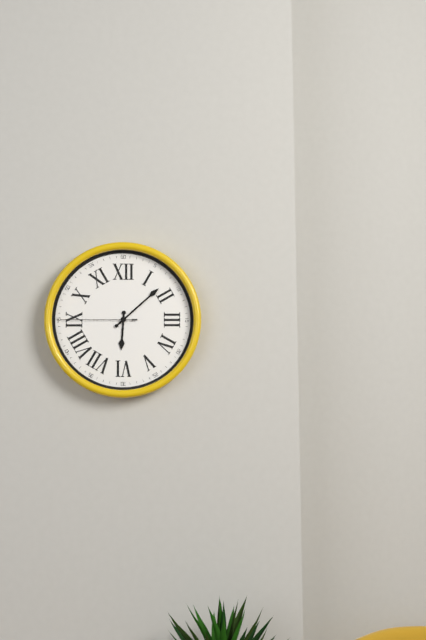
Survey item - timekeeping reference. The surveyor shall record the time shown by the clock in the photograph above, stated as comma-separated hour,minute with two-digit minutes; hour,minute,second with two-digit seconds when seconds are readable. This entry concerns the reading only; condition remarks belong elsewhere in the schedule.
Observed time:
6,08,45
